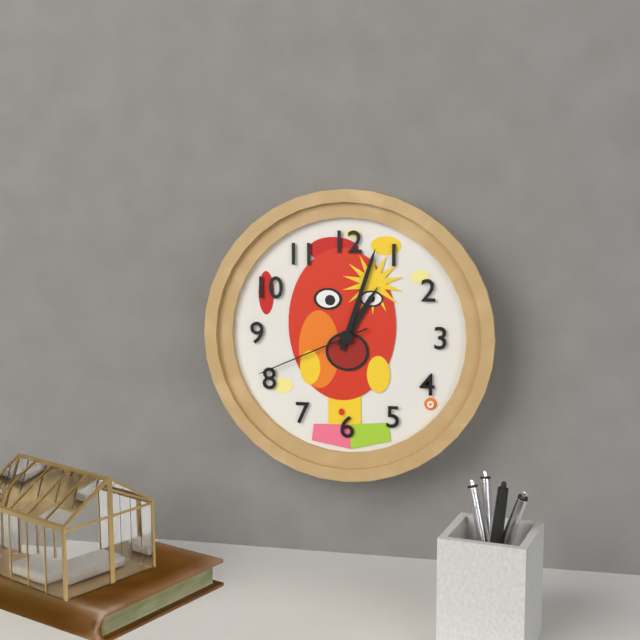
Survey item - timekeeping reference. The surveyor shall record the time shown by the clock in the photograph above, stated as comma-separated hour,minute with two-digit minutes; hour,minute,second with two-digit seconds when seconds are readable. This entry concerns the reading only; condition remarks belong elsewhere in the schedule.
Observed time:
1,03,41
